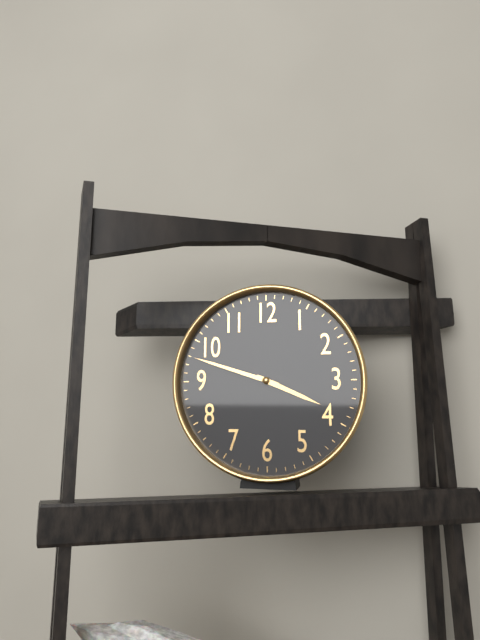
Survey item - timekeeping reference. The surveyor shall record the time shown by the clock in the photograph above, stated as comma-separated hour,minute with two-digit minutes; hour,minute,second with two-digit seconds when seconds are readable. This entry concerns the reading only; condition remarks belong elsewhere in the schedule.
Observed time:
3,48
